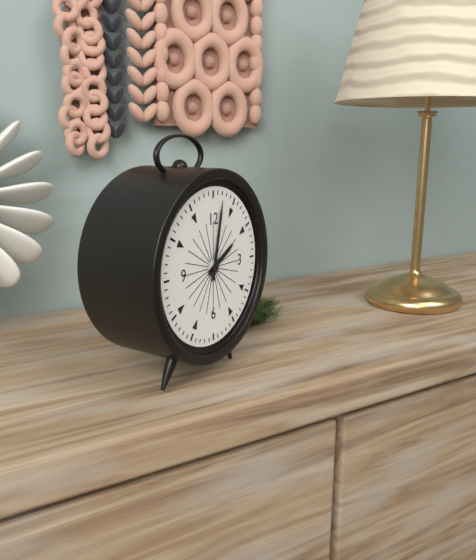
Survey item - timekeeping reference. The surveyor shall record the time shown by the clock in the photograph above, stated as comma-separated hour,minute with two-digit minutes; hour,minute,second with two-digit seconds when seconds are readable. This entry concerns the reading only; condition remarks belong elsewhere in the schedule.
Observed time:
2,02
